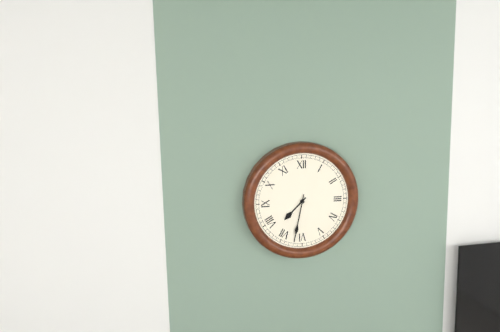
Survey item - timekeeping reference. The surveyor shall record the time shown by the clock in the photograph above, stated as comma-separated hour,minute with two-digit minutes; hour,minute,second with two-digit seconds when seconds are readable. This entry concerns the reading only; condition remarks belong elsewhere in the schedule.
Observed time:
7,32
